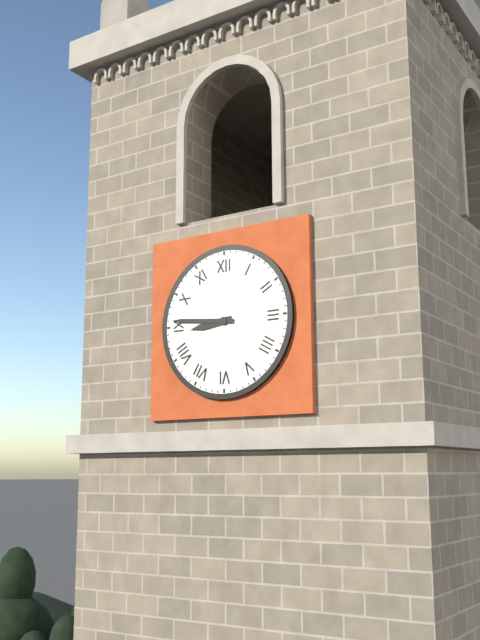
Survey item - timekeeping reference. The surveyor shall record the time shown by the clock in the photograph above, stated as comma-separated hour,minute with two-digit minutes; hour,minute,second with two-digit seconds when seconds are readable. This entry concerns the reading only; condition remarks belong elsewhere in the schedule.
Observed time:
8,46
